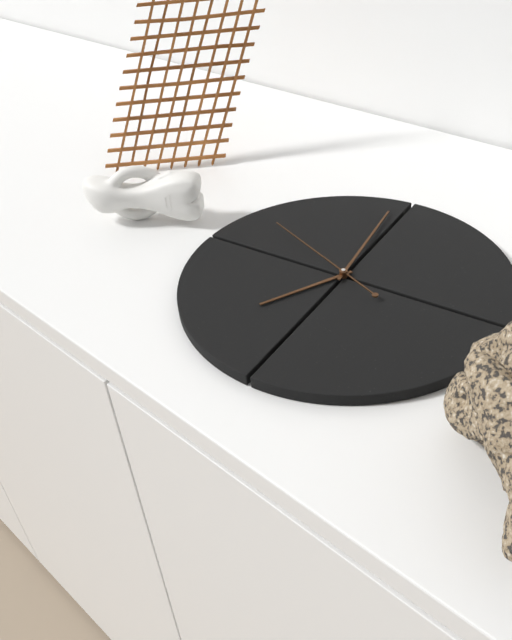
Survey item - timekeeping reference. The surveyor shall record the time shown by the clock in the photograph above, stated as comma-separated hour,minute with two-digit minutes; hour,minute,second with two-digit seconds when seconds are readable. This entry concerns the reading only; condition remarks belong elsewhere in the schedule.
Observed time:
6,59,49
